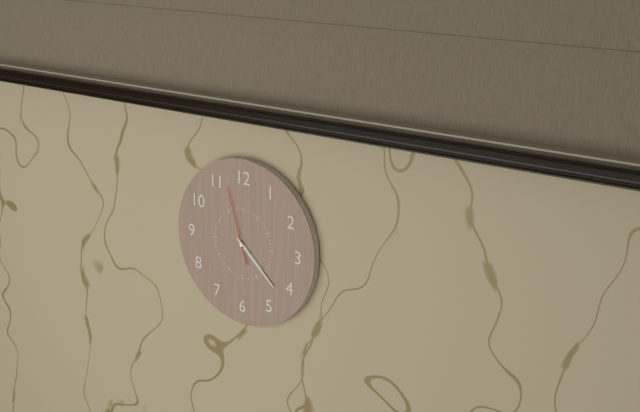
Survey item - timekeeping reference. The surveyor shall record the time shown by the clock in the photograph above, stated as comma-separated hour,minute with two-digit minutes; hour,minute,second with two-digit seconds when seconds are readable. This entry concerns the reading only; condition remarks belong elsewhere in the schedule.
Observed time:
4,22,57
